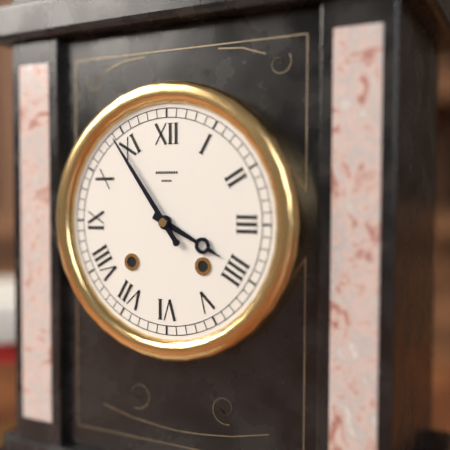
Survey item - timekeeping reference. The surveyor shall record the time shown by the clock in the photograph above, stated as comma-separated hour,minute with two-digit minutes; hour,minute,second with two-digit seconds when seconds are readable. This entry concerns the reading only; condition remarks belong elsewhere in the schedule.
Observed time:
3,54
